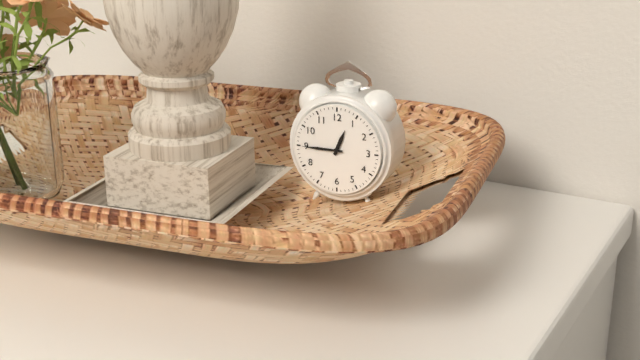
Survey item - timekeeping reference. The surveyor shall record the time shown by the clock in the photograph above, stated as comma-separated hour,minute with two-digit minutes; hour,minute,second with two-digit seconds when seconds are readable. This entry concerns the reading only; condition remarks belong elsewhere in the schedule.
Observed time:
12,45
